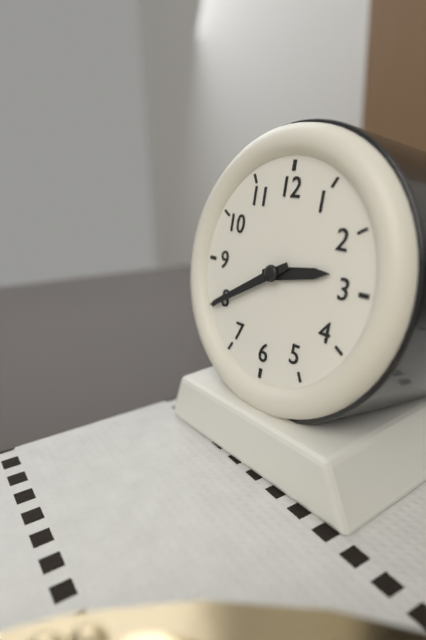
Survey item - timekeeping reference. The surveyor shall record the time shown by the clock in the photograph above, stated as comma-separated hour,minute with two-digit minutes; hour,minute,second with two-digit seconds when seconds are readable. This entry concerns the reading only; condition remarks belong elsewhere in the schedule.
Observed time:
2,40
